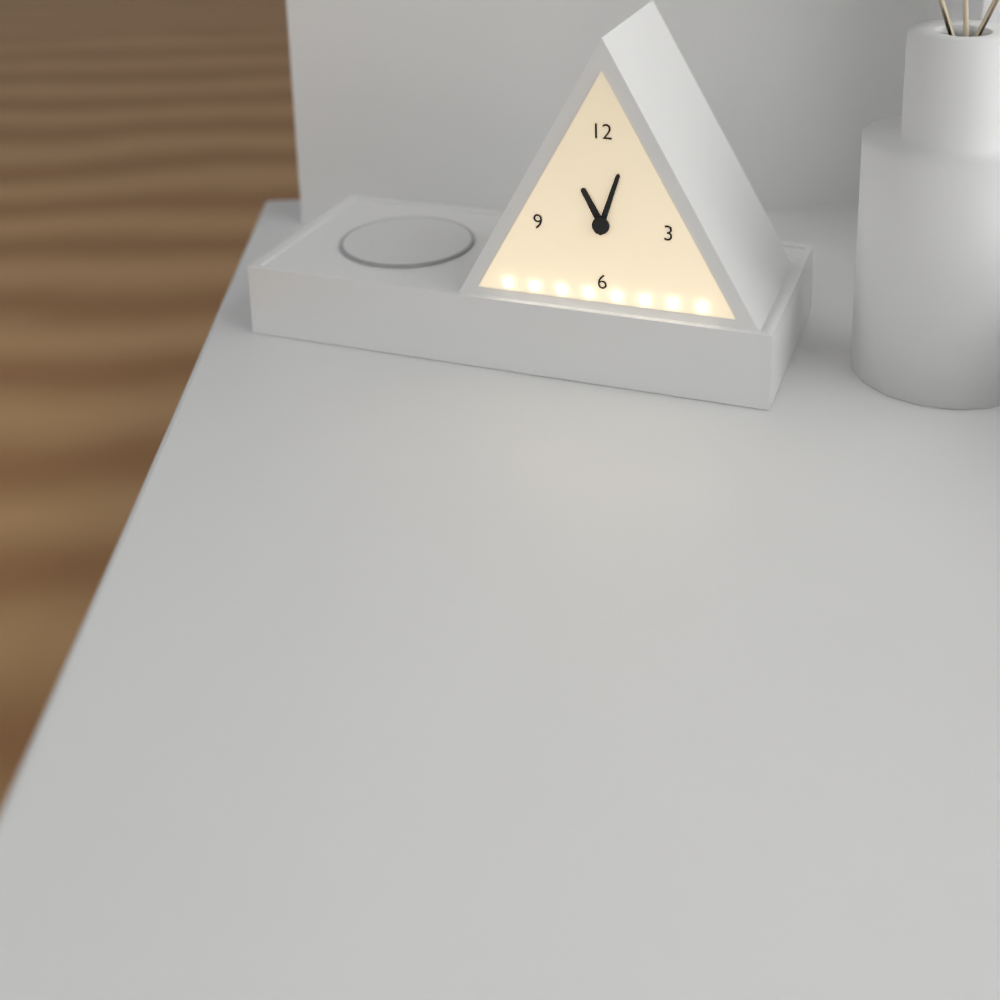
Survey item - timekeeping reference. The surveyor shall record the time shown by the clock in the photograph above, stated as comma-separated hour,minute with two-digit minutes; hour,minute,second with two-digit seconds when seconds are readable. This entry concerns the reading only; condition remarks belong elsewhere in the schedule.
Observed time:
11,03
